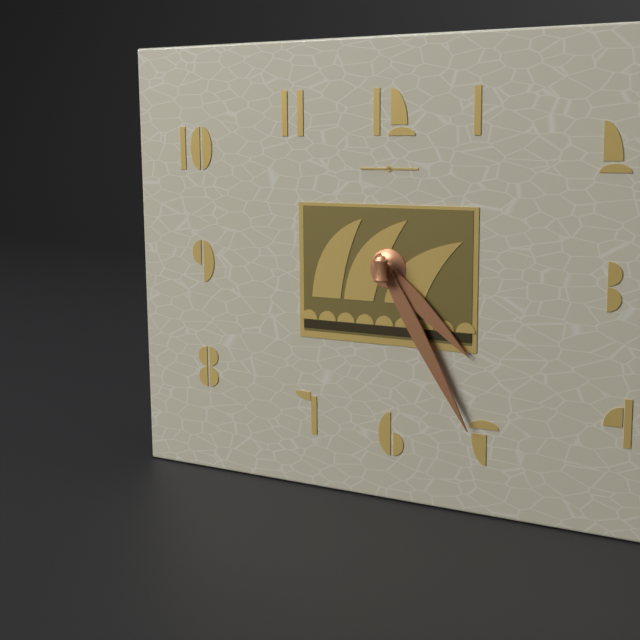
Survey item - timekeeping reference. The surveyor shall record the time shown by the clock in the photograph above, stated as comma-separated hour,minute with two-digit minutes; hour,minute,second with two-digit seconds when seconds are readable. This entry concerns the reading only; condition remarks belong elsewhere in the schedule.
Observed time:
4,25
